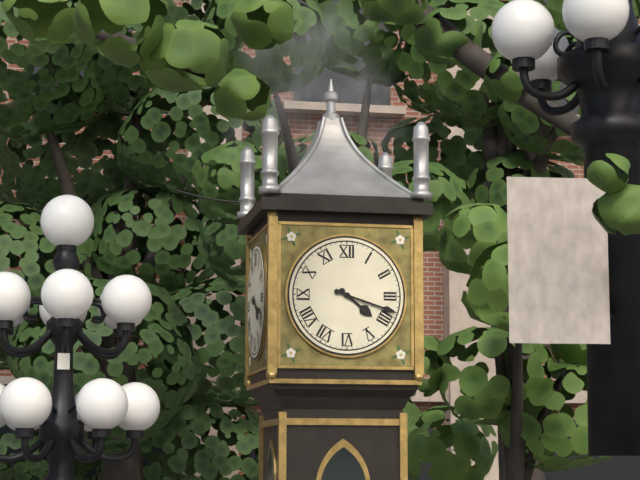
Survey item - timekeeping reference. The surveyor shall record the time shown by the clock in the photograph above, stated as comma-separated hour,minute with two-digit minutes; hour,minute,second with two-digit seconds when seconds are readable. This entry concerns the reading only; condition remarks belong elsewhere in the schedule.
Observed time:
4,18
